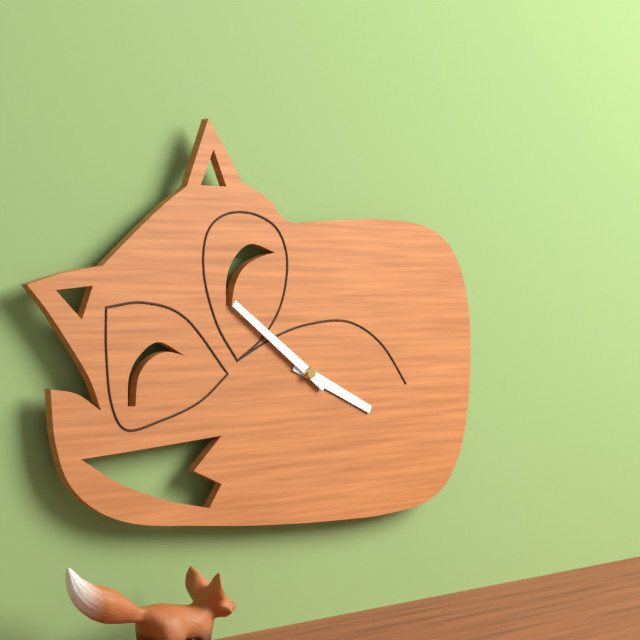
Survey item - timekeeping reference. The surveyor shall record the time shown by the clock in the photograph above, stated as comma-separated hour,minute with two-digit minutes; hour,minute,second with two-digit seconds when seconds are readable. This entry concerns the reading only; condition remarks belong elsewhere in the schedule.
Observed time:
3,51
